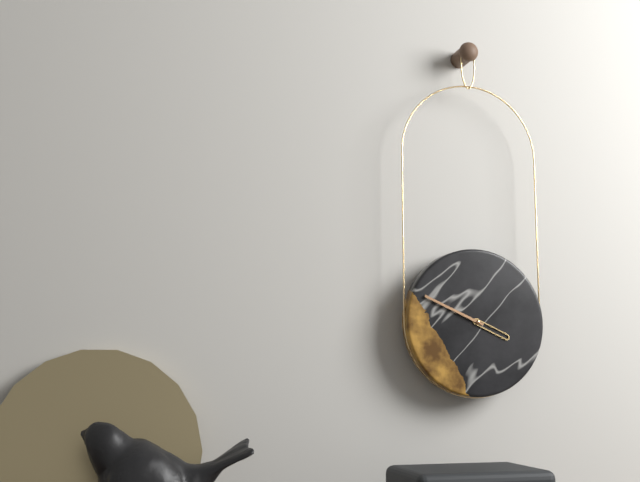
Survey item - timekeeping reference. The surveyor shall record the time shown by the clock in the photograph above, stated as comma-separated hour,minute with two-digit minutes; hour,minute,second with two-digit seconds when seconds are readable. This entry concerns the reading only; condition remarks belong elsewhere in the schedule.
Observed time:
3,49
